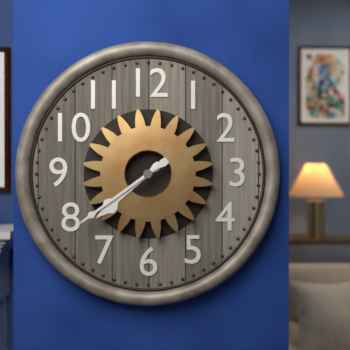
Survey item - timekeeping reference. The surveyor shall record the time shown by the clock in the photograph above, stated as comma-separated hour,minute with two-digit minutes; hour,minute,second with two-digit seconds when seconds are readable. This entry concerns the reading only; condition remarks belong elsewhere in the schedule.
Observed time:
7,39
